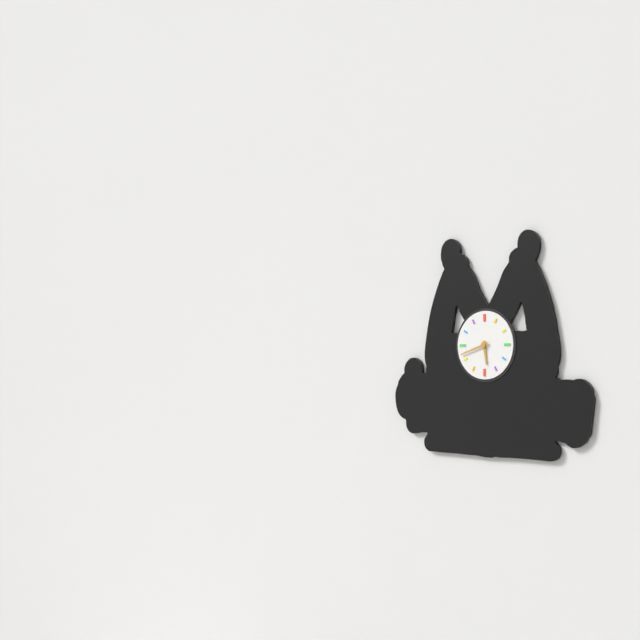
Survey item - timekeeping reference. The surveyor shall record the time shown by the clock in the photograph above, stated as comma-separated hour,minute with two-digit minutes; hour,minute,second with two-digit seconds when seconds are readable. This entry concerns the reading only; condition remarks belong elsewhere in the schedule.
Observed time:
5,42
